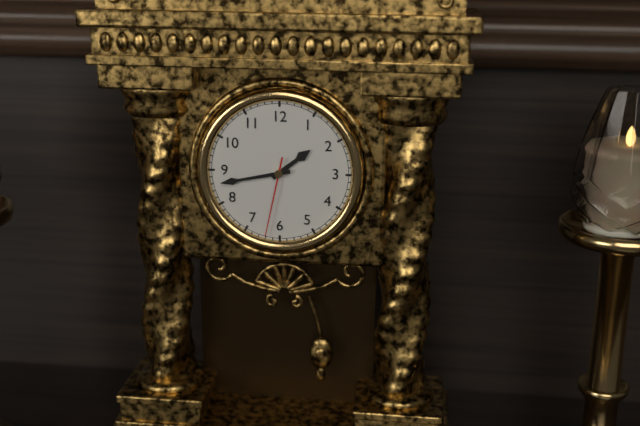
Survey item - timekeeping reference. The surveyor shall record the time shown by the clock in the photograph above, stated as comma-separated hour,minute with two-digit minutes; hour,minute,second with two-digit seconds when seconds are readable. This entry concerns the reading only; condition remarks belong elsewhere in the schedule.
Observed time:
1,43,32
